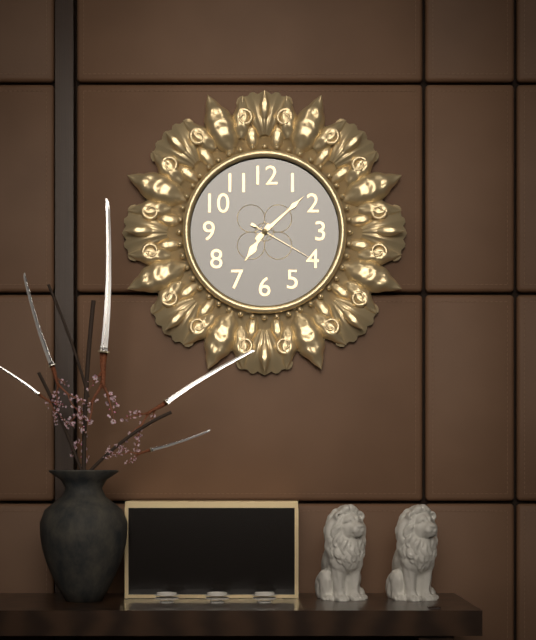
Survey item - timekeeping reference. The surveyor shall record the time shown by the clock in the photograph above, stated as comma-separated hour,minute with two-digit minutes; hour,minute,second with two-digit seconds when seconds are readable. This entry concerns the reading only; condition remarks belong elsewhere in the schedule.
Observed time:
7,08,20
